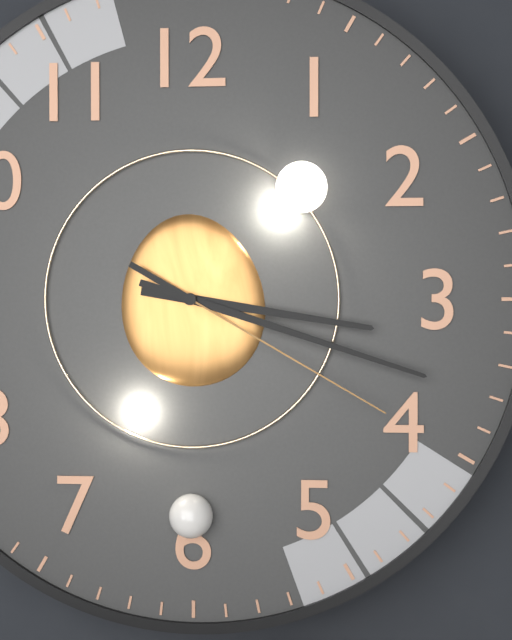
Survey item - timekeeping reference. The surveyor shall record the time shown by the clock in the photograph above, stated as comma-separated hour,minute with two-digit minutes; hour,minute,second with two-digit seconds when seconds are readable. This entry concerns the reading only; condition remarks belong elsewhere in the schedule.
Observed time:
3,18,20
